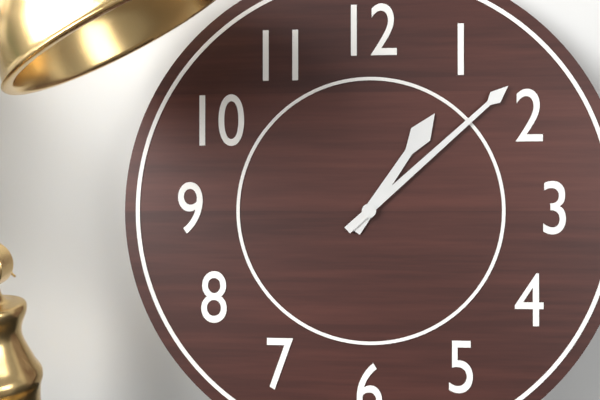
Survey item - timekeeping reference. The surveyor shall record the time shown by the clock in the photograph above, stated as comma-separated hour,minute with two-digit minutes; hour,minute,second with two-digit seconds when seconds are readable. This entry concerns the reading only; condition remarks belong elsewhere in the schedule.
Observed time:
1,08
